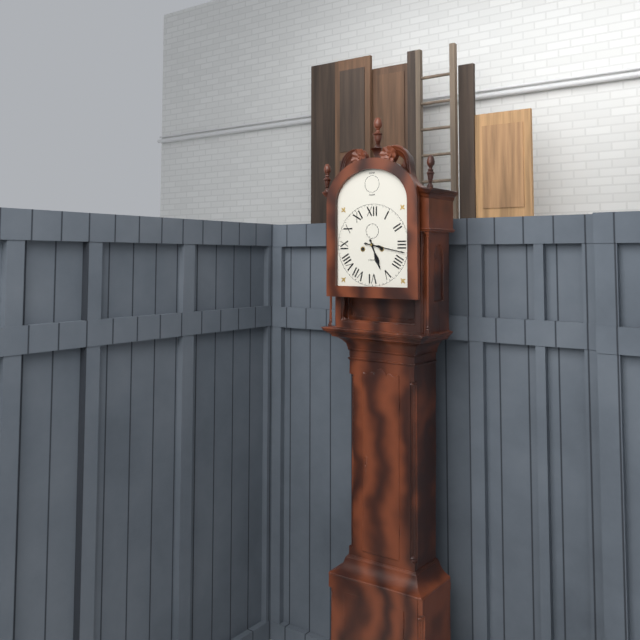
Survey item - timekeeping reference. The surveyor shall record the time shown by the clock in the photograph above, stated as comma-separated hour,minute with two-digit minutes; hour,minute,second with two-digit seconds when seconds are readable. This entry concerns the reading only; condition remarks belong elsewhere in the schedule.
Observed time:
5,17
